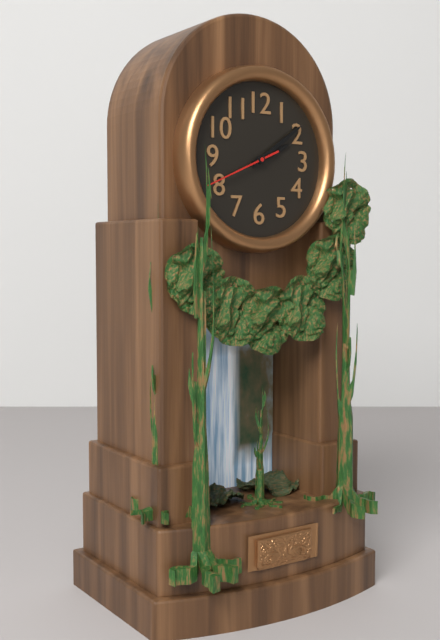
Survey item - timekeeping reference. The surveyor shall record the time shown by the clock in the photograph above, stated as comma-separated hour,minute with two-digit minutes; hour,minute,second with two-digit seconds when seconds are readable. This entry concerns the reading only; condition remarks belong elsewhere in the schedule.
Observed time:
2,09,41
